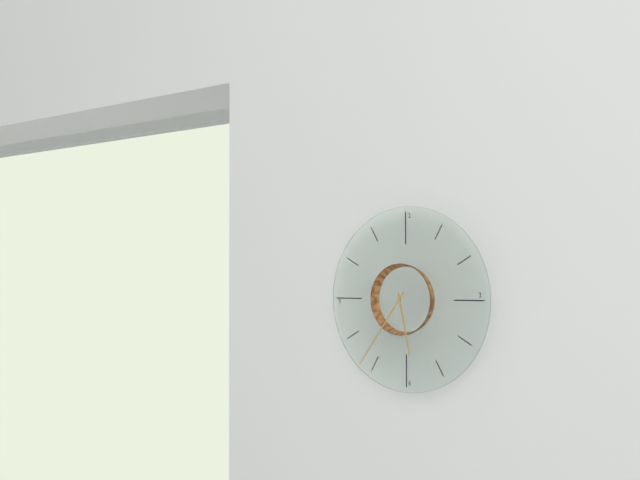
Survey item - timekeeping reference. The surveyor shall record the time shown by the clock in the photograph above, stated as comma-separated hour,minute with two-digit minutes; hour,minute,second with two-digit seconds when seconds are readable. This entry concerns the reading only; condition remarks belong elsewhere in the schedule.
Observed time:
5,36
